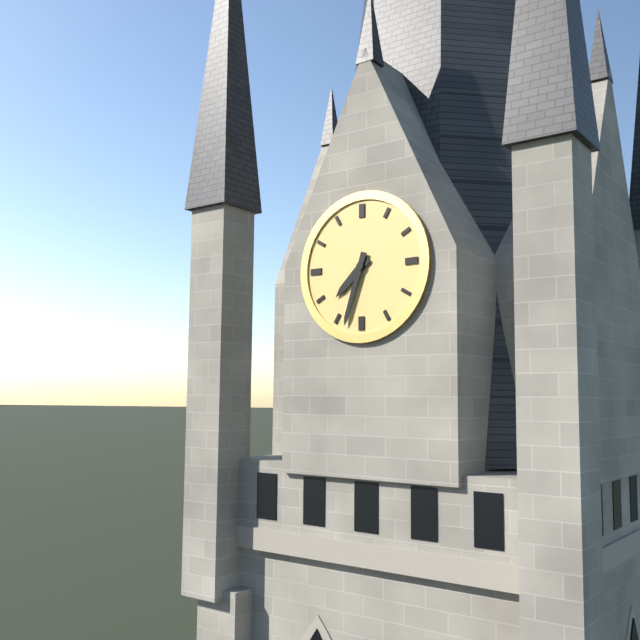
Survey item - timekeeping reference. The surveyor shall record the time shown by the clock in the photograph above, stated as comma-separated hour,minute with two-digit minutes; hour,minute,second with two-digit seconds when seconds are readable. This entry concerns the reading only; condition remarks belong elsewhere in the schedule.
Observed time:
7,33
